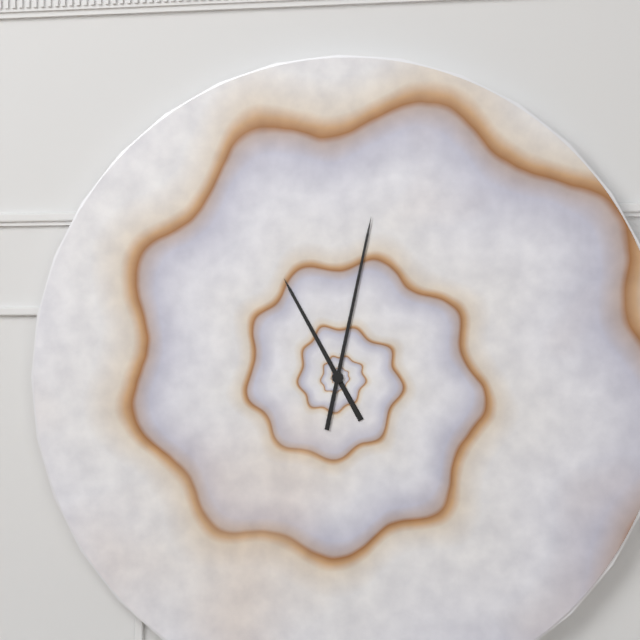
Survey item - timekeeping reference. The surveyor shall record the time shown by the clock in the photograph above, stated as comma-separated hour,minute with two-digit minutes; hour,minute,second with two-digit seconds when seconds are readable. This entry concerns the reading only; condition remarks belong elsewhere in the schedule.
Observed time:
11,02
